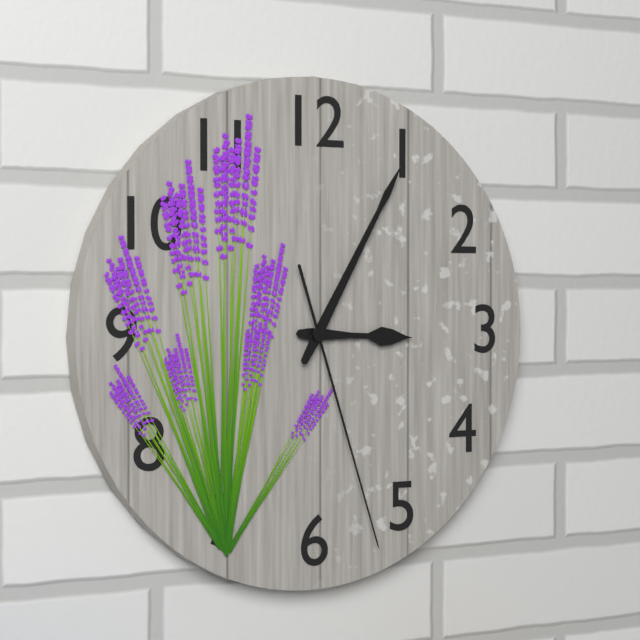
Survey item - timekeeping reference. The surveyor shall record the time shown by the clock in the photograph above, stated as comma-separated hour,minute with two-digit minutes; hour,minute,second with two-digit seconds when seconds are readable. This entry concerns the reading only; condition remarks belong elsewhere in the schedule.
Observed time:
3,05,27
